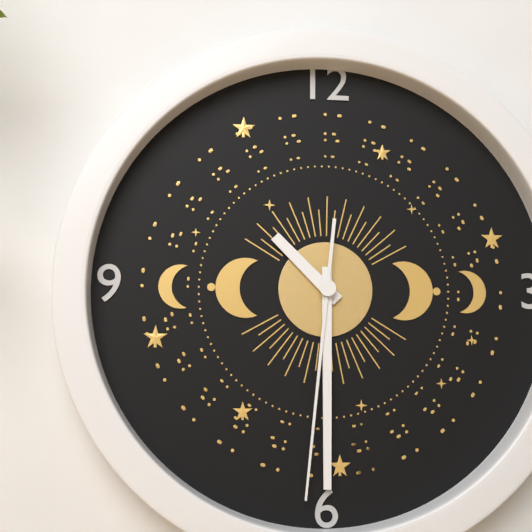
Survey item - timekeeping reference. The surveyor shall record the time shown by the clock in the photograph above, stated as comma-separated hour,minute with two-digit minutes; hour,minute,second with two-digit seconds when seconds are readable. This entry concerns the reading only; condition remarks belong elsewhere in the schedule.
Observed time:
10,30,31
